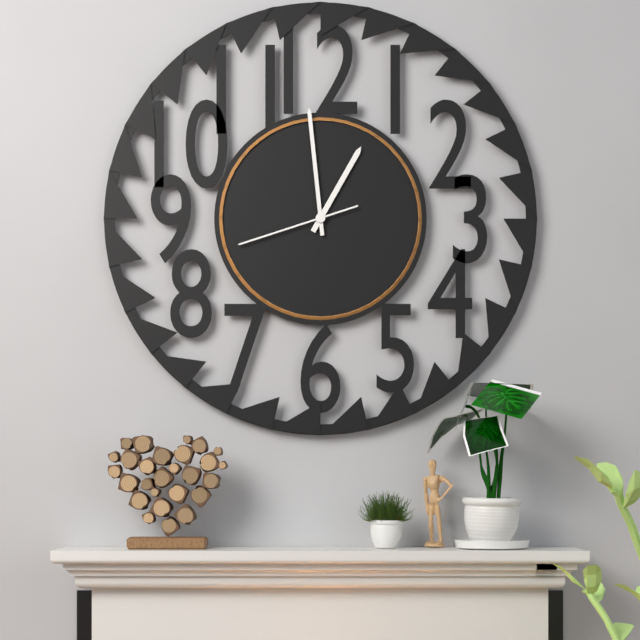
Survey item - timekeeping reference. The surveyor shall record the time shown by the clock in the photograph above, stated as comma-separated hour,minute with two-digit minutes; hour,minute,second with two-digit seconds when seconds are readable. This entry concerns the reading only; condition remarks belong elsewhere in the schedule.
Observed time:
12,59,42
